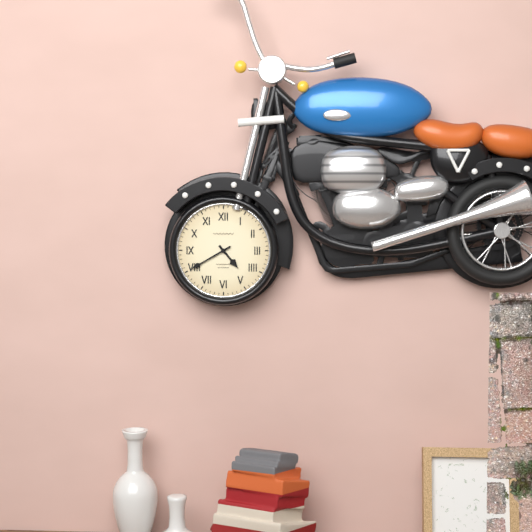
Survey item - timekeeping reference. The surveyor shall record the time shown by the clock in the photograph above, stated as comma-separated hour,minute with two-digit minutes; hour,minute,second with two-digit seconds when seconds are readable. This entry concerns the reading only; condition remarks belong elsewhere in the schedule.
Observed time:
4,40
